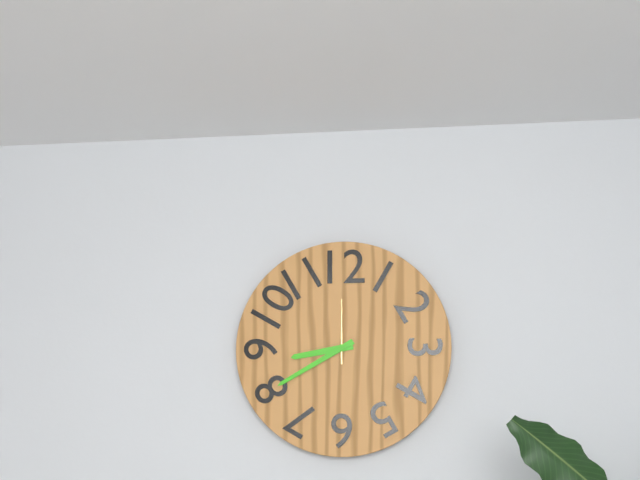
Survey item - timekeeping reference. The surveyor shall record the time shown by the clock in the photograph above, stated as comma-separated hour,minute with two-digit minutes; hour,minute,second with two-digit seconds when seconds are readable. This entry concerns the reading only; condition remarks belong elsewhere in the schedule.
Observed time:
8,40,00
